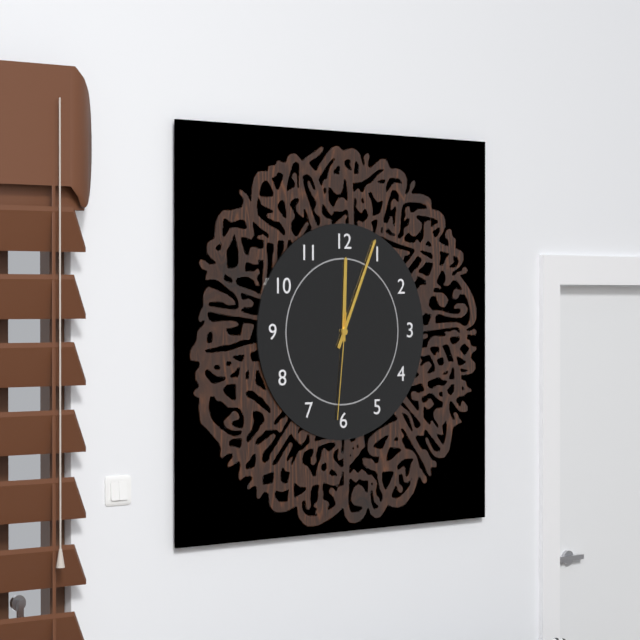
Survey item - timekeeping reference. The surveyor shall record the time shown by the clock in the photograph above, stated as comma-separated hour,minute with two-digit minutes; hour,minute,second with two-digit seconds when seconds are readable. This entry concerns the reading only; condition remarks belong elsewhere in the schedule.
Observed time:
12,04,31
